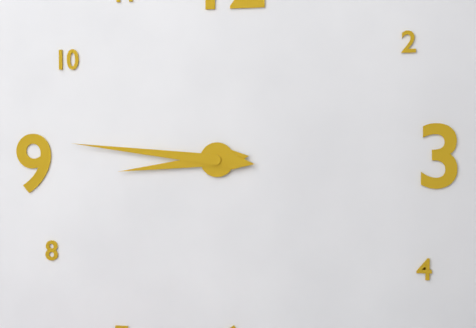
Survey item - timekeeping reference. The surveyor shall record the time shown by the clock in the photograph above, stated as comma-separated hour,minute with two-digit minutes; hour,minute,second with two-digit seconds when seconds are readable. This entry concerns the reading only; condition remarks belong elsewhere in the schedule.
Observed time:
8,46
